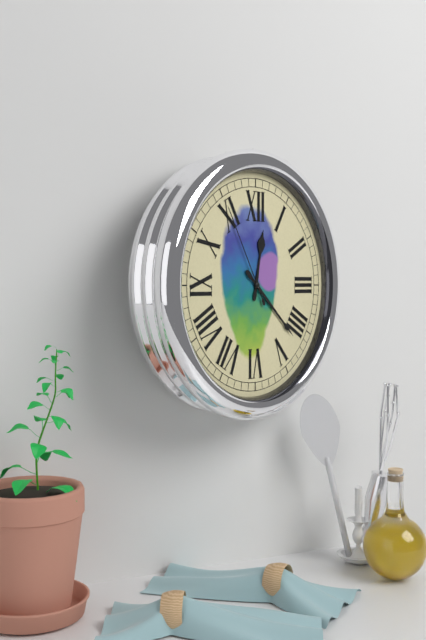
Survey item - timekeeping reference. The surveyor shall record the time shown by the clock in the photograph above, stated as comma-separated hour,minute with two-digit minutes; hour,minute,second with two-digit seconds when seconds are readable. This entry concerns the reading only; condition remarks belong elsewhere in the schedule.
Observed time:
12,22,55
